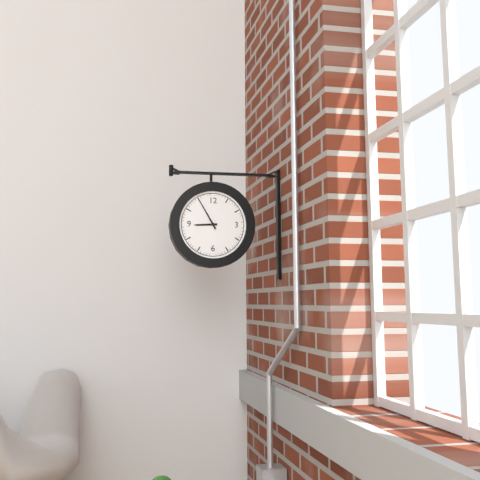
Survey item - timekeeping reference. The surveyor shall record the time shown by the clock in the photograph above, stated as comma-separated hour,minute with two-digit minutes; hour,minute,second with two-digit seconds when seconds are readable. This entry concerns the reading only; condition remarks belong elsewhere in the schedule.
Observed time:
8,55
